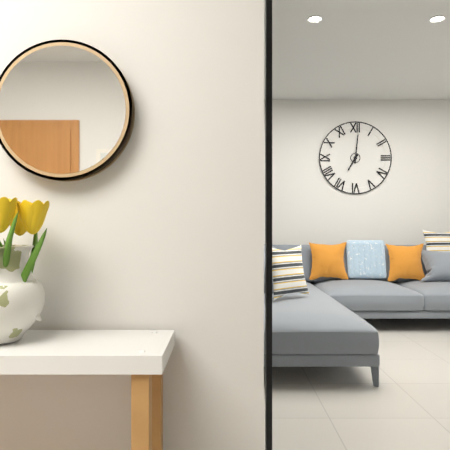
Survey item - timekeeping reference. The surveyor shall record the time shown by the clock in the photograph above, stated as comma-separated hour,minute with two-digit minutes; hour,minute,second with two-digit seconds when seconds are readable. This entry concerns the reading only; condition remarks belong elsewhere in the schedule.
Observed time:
7,01
